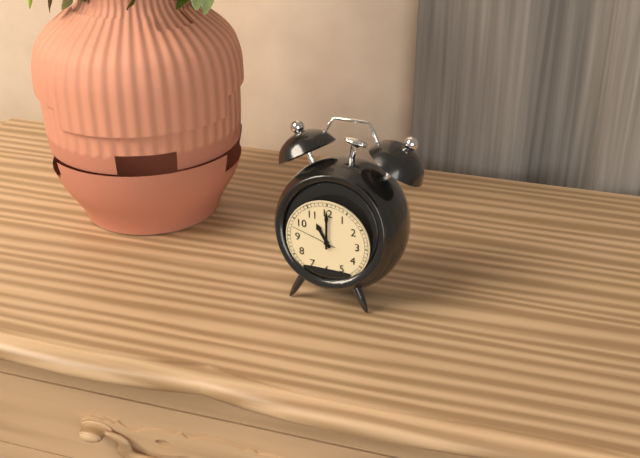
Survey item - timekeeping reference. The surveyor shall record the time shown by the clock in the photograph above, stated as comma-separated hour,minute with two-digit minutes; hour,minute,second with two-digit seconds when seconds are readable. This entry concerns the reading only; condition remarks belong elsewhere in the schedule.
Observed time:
11,00
